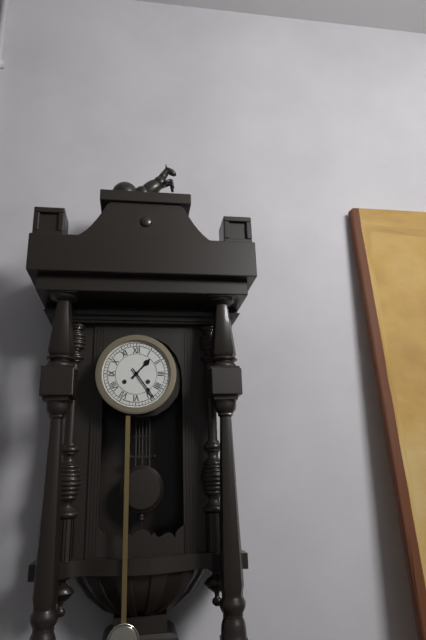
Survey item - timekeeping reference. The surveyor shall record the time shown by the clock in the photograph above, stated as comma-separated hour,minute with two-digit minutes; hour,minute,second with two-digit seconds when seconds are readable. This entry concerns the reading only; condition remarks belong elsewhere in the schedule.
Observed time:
1,24
